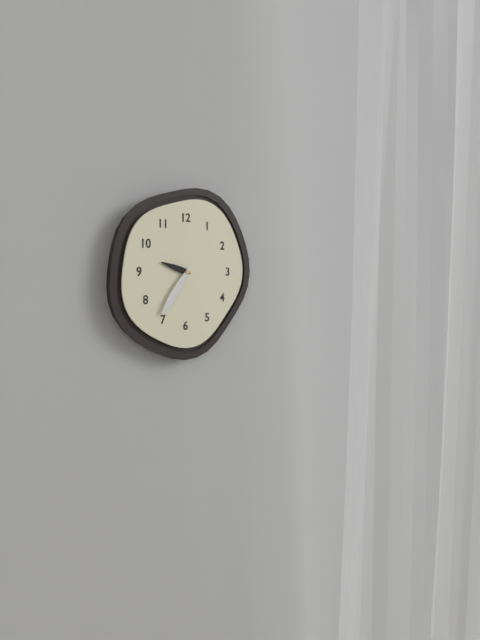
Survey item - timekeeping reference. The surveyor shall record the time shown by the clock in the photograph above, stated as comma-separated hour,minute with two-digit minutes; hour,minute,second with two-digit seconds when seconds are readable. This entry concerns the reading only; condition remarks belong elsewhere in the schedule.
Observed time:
9,36
